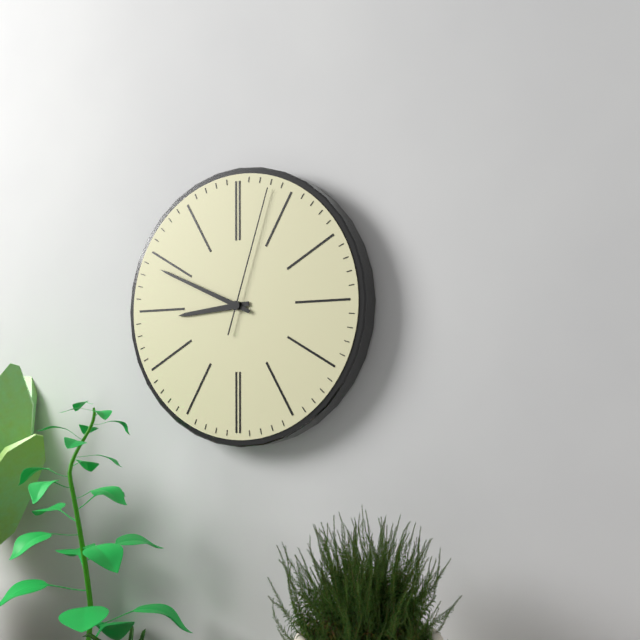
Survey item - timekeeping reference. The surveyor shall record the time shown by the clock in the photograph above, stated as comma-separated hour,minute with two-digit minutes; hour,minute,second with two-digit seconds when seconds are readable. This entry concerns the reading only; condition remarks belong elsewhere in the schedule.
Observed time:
8,49,03
